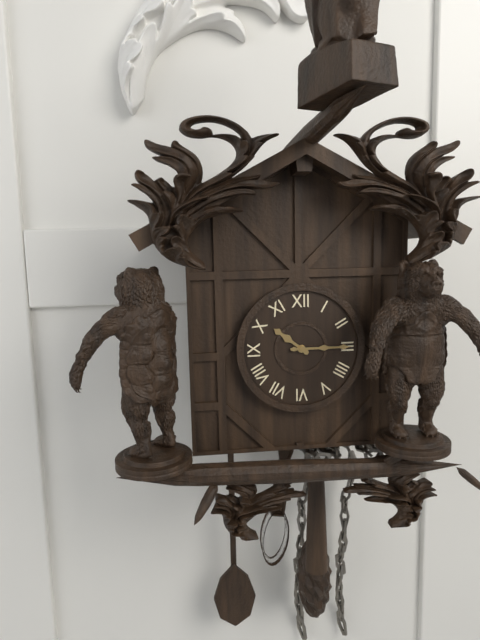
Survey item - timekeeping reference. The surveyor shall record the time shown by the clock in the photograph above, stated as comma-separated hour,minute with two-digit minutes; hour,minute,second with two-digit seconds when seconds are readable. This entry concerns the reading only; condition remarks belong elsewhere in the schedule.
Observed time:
10,15
